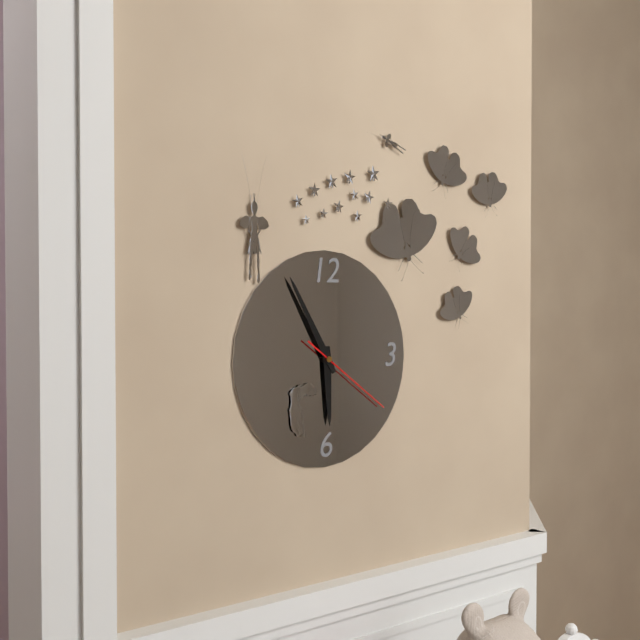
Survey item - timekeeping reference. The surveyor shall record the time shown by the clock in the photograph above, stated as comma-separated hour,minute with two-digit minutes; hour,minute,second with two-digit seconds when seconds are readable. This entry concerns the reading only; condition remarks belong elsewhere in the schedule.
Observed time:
5,55,21
